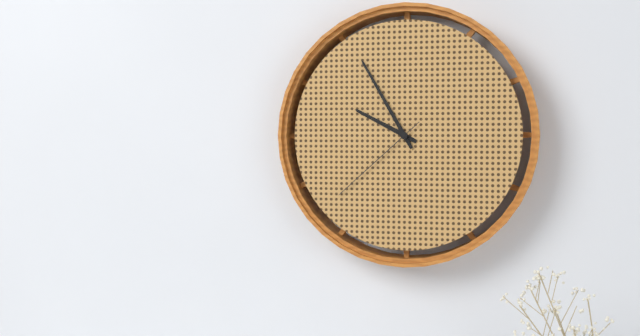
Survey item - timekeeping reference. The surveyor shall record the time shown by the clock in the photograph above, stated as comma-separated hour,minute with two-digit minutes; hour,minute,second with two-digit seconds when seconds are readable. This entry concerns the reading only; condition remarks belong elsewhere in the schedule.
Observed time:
9,55,38
